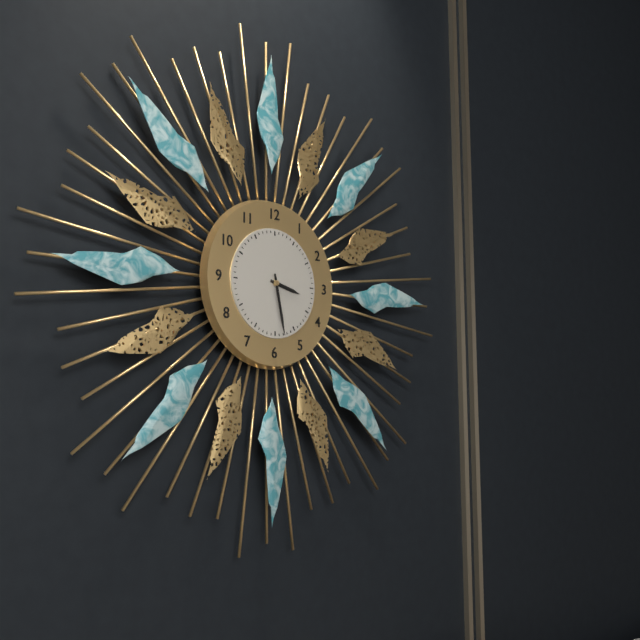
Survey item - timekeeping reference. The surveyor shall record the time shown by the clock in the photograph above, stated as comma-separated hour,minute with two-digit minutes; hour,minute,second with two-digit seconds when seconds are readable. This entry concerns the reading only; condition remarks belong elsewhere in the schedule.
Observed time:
3,28
